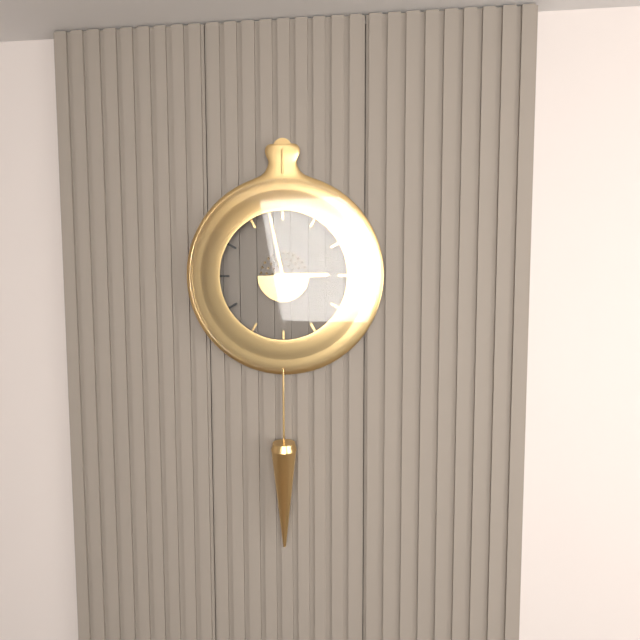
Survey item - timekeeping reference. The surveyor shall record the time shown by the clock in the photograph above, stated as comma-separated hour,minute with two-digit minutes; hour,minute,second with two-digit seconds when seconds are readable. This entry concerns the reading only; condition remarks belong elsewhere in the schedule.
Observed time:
2,58
